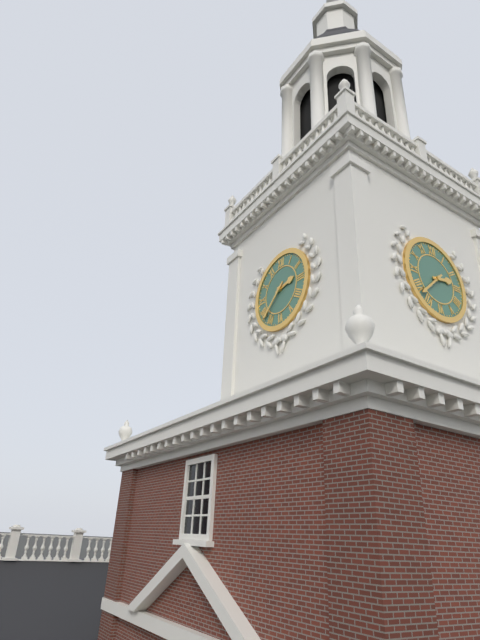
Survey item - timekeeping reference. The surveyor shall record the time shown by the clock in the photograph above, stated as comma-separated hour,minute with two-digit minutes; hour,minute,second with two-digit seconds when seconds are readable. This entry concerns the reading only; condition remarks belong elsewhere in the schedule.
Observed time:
2,38
